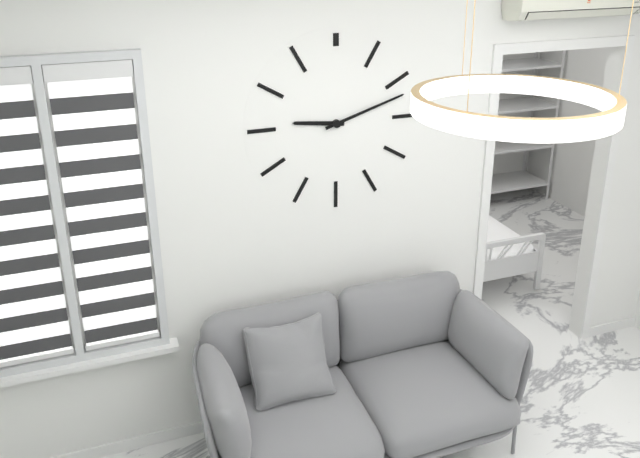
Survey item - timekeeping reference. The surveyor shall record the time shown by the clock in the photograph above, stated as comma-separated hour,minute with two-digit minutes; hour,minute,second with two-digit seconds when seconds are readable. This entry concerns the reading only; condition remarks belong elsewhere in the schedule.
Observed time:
9,12
